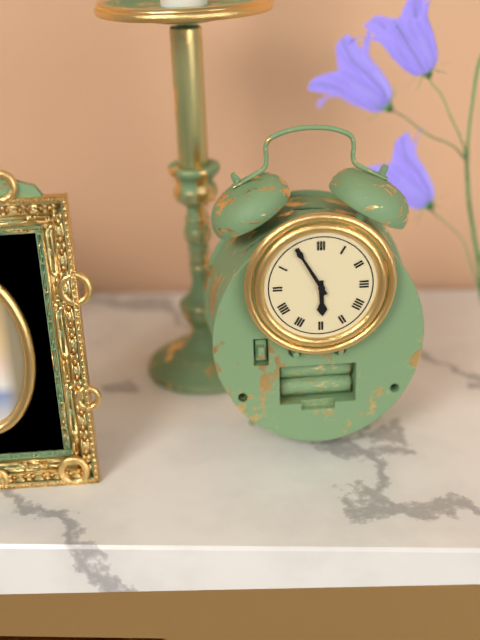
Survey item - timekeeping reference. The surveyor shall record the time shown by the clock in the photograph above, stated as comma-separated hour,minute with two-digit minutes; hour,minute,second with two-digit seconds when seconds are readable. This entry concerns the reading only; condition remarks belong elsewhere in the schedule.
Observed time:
5,55
